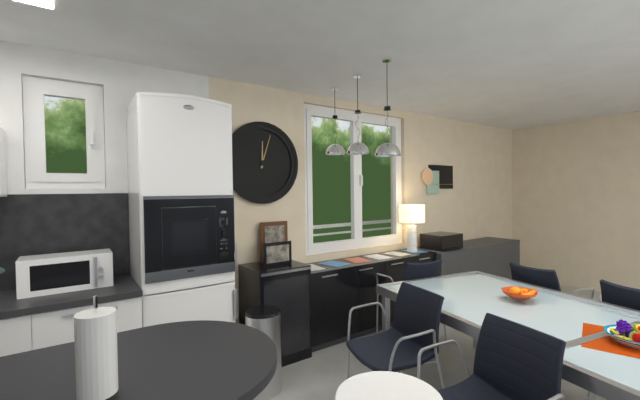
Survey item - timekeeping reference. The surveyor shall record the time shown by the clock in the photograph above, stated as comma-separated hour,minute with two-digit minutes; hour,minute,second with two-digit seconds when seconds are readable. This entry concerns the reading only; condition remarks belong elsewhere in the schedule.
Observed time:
12,03
